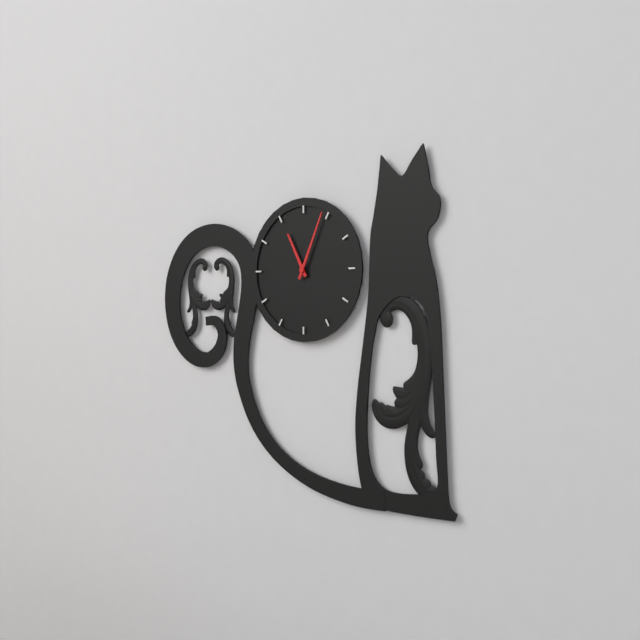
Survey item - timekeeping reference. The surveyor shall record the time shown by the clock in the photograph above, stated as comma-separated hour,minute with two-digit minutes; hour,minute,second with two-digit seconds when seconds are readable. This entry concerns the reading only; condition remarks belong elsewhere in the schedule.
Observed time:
11,04
